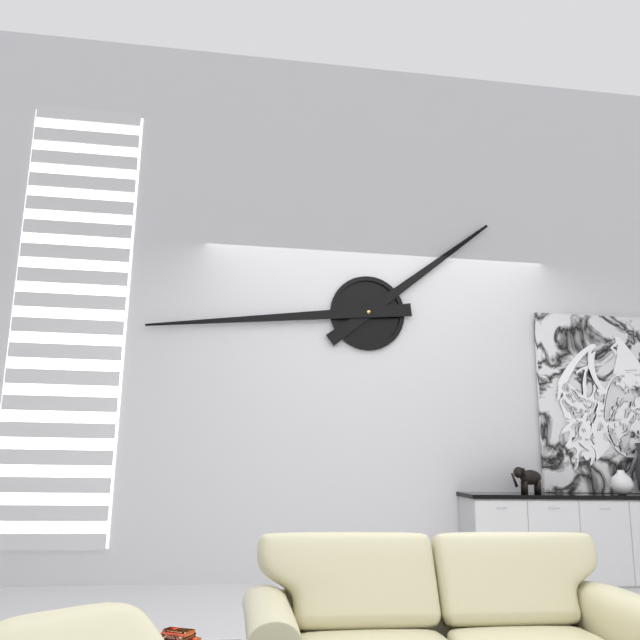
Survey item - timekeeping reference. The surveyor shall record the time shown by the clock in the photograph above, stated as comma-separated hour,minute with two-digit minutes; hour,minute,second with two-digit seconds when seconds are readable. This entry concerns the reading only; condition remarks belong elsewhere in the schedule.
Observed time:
1,44
